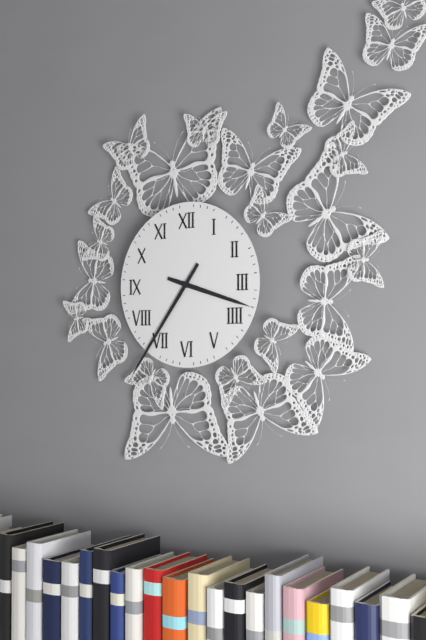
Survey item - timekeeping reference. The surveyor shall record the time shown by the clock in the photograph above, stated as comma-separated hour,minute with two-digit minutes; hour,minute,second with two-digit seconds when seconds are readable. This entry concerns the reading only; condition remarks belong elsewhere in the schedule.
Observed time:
3,36
